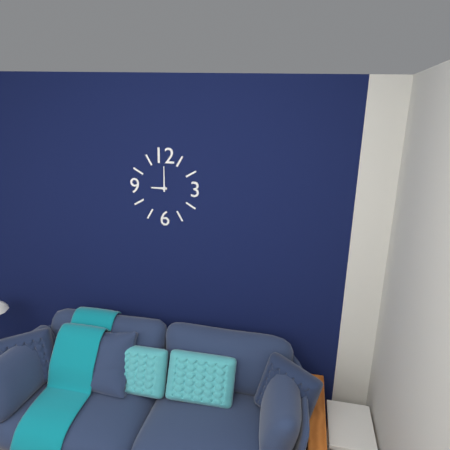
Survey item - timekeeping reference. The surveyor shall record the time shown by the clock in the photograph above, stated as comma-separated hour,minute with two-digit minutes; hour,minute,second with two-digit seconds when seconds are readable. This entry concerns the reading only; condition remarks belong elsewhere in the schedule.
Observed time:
9,00
